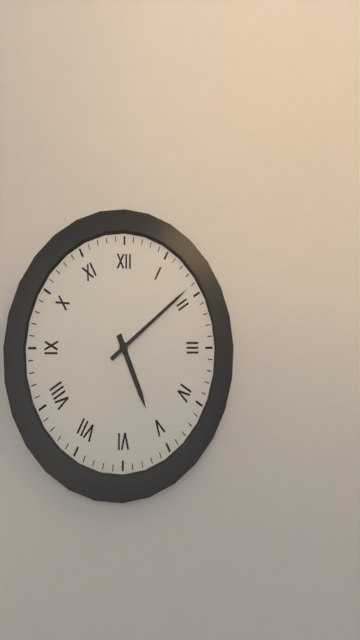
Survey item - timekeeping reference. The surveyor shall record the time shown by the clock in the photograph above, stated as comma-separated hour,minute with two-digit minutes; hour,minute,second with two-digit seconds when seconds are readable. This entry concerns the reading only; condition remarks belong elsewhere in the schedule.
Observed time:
5,09
